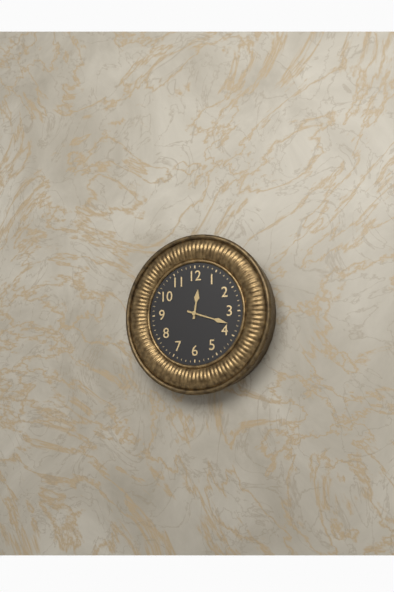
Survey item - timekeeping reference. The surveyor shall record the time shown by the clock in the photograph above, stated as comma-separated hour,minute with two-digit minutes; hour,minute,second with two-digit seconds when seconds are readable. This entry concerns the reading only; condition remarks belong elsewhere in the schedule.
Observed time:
12,18
